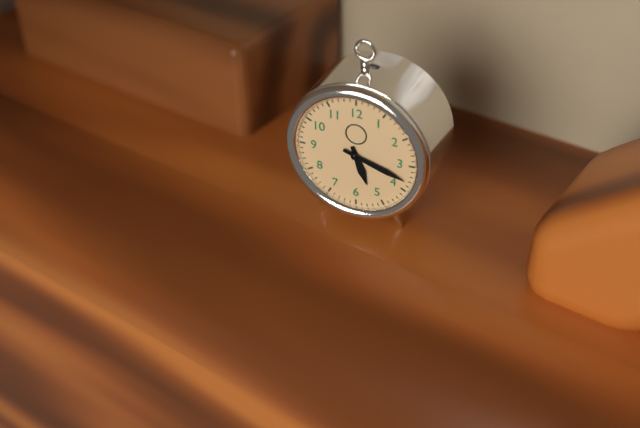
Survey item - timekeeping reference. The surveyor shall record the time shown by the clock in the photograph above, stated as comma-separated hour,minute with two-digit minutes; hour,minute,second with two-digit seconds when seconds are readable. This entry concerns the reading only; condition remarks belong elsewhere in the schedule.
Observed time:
5,18
